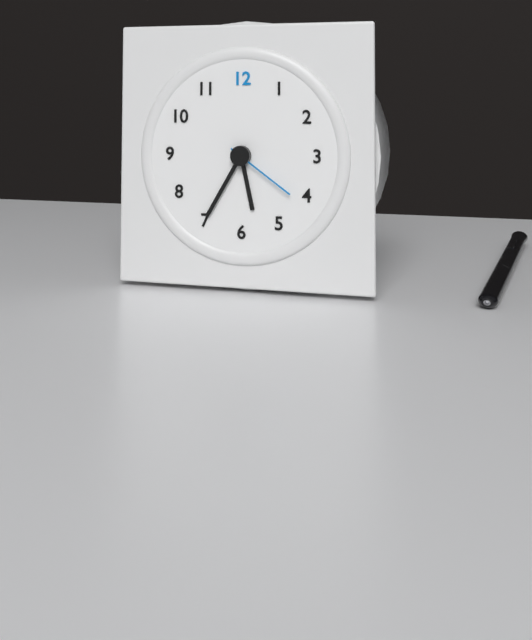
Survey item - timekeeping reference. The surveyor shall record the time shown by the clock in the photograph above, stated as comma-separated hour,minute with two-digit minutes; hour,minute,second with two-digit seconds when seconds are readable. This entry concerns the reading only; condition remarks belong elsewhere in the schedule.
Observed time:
5,35,21
